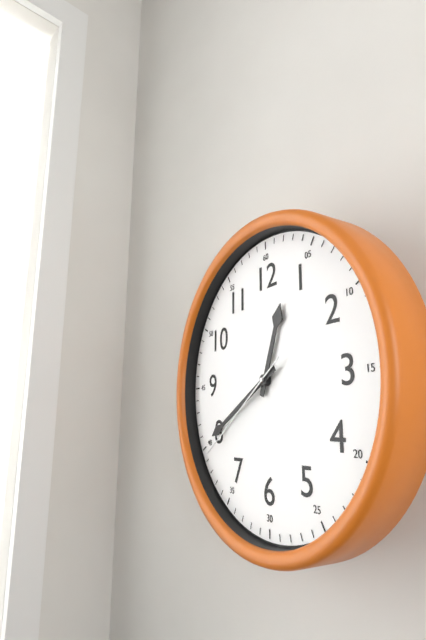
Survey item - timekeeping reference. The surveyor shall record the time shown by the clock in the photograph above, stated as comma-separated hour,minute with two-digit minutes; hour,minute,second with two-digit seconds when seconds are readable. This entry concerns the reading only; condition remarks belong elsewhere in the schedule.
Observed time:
12,40,39
